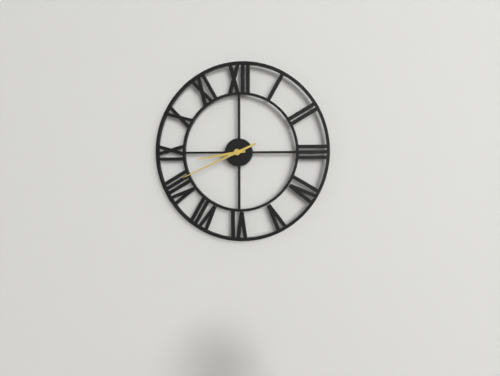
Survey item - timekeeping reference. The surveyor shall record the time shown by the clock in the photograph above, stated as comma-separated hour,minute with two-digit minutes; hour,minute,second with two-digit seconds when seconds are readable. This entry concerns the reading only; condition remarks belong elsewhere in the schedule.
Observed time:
8,41
